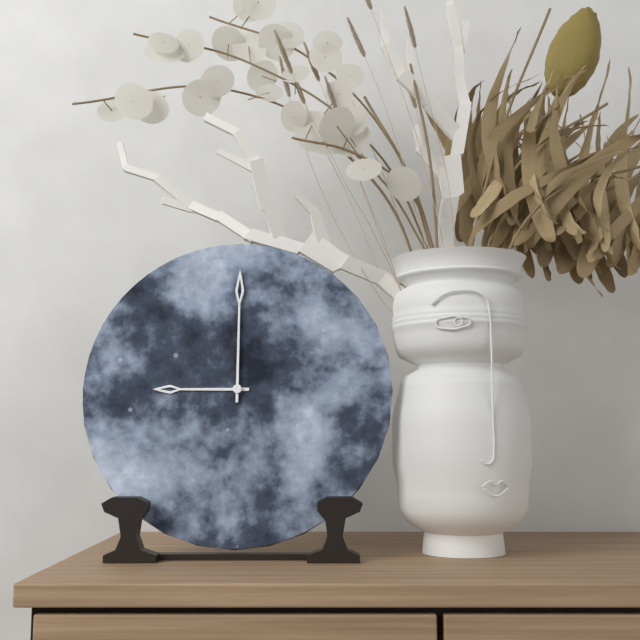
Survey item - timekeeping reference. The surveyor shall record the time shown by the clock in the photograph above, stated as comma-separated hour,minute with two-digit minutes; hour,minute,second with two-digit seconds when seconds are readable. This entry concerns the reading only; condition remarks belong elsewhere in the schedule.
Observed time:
9,00
